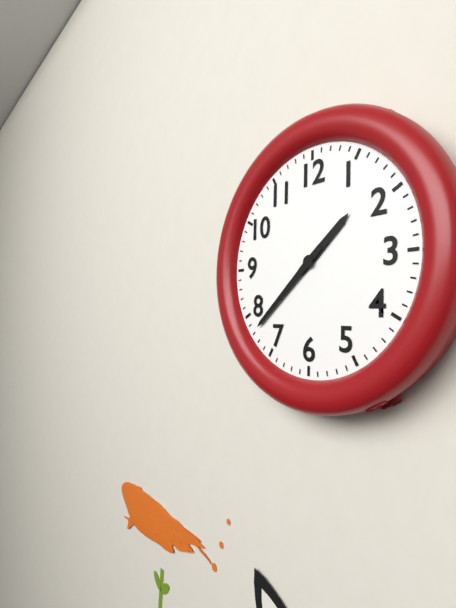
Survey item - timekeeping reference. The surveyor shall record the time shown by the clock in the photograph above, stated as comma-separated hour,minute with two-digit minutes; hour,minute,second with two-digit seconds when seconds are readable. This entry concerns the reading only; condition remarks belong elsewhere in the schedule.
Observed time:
1,38
